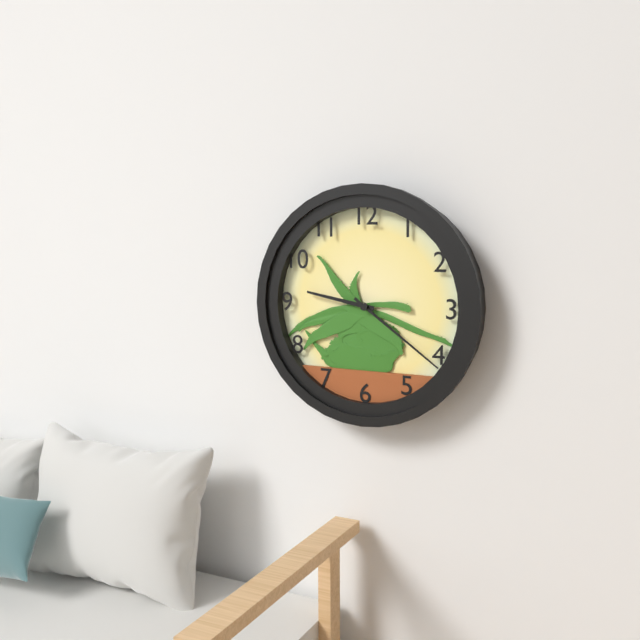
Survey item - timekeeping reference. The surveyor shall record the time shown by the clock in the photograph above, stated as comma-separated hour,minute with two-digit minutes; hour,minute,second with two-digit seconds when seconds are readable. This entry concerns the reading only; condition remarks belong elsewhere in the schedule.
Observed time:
9,21
